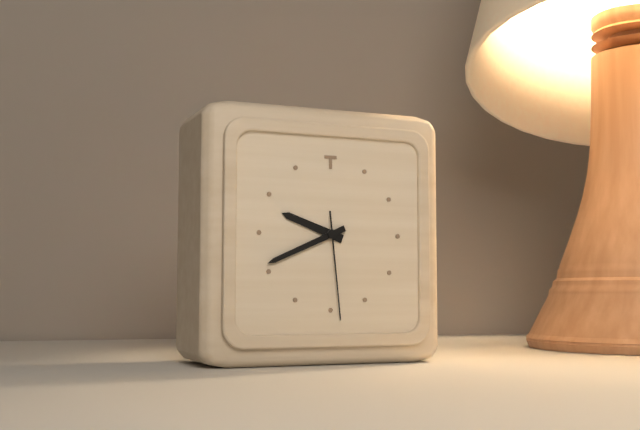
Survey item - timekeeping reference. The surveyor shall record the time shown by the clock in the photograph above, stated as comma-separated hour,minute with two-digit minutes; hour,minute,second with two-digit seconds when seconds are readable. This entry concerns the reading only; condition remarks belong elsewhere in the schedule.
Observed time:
9,41,29
